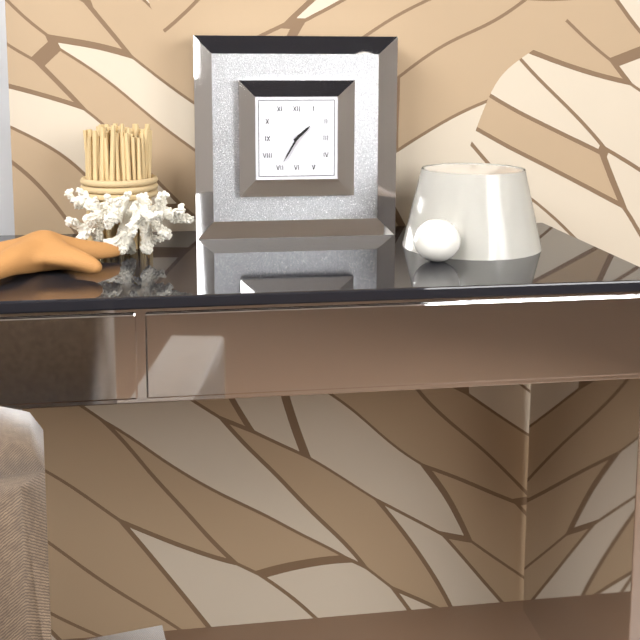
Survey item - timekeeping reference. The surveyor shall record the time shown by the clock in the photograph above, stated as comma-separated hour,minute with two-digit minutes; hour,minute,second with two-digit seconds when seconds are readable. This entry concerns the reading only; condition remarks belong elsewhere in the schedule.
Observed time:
1,35
